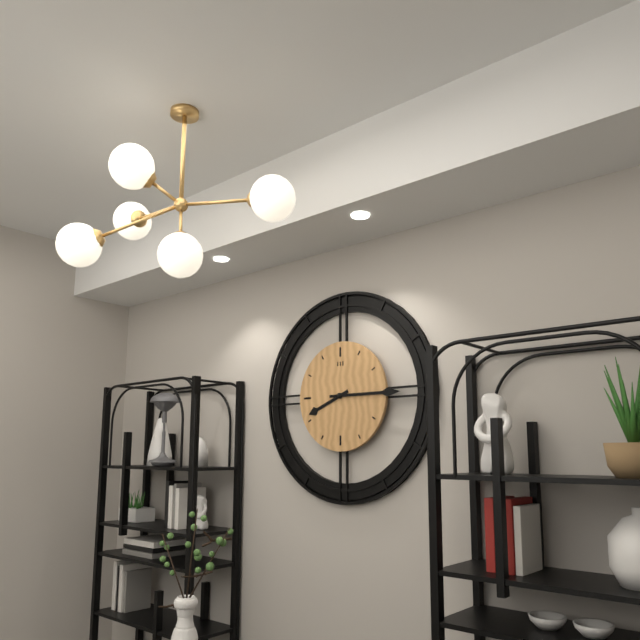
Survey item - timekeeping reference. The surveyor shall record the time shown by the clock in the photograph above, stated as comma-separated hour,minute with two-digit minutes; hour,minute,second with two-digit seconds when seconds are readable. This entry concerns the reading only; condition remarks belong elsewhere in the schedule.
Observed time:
8,15
